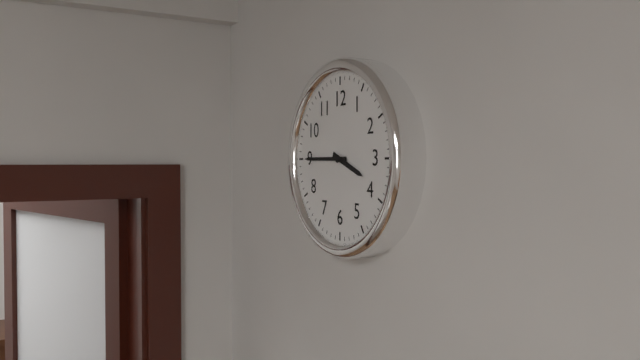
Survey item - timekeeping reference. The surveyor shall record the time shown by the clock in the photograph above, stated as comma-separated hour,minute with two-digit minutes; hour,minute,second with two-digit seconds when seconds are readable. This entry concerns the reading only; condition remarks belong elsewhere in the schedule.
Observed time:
3,45
